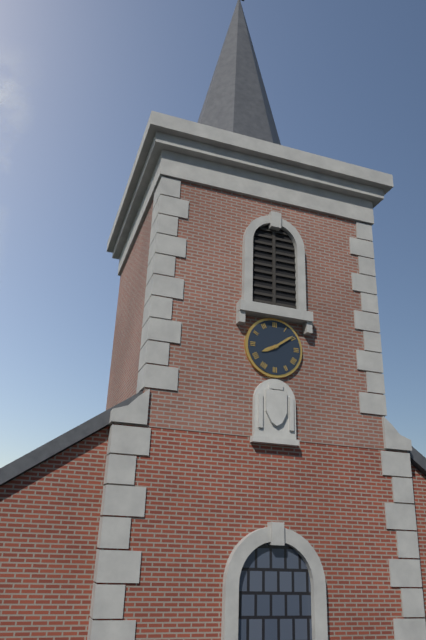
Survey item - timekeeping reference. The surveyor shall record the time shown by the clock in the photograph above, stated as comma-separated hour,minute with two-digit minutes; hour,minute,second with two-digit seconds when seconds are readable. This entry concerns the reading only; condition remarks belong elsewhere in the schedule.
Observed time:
8,09
